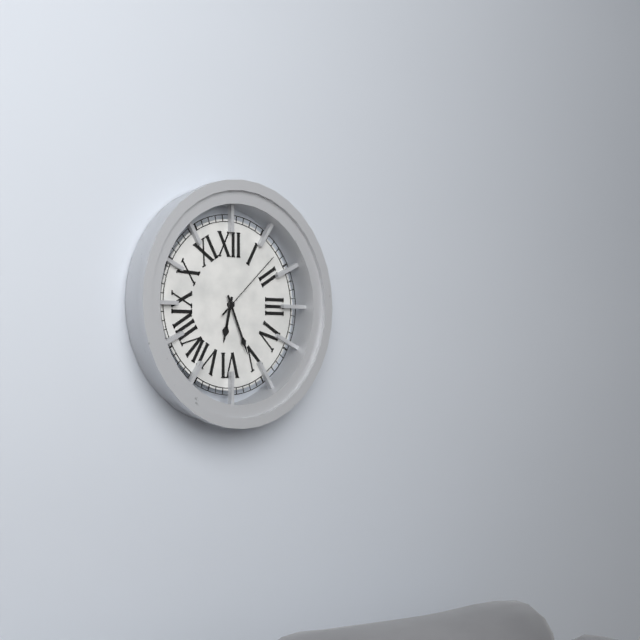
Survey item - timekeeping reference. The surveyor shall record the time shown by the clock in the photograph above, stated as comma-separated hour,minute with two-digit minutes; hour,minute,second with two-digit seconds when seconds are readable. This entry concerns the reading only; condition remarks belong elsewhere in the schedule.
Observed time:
6,26,08
